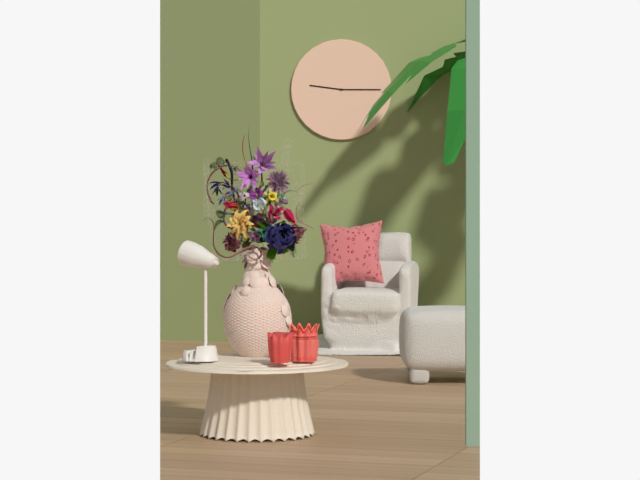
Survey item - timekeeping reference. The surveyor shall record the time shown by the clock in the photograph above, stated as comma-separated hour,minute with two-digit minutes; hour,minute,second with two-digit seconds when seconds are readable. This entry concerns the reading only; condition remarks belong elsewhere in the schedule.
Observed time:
9,15
